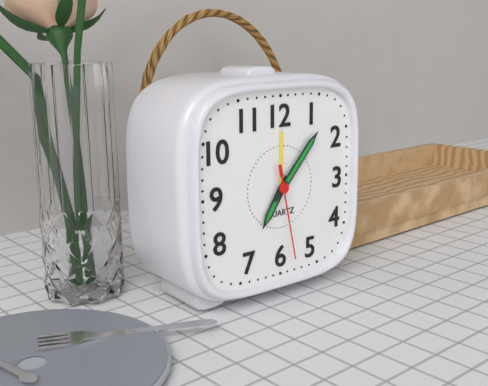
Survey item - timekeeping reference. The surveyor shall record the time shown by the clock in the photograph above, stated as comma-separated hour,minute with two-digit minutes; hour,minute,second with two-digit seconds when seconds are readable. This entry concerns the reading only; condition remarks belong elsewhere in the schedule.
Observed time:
7,07,28
